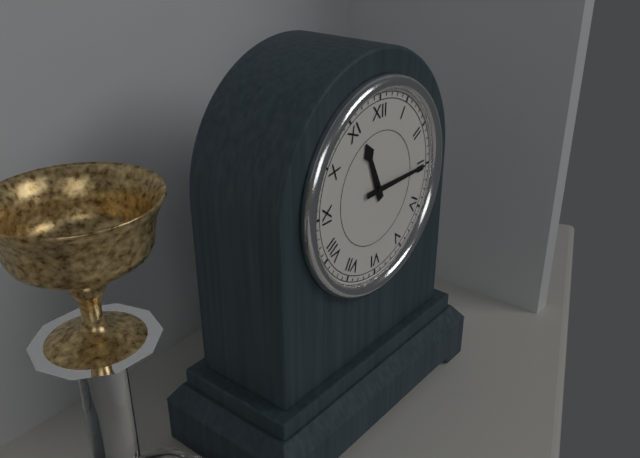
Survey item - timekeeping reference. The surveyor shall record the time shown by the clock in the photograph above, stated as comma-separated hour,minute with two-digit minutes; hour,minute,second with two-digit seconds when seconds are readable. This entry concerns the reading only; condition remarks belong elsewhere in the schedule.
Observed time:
11,15
